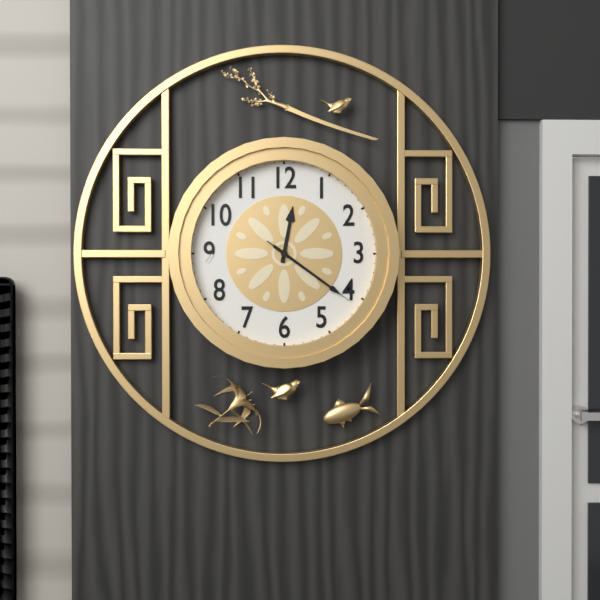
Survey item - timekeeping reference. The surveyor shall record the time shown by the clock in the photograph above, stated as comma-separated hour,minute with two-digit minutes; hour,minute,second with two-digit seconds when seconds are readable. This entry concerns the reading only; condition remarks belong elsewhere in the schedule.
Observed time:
12,21,21
